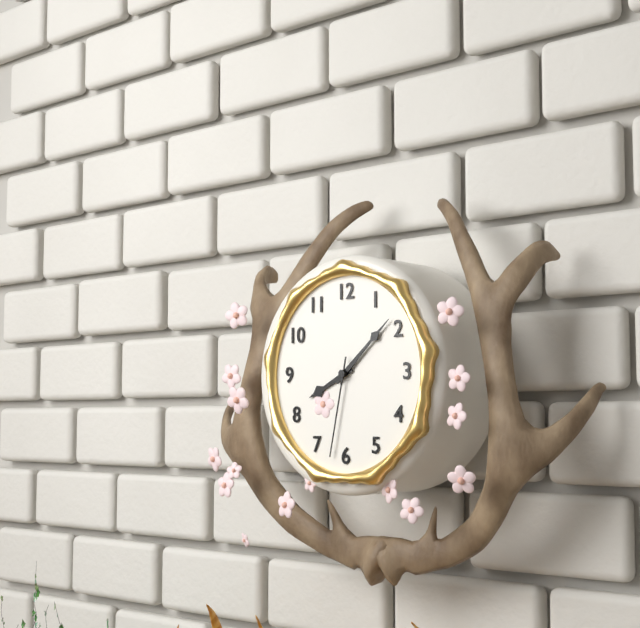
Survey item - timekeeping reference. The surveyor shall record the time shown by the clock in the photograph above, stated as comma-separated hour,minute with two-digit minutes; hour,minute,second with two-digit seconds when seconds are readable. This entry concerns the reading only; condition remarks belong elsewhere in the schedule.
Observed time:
8,08,32
